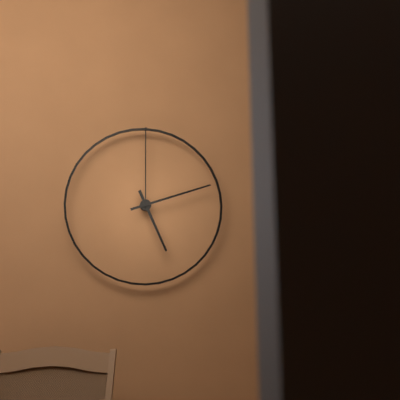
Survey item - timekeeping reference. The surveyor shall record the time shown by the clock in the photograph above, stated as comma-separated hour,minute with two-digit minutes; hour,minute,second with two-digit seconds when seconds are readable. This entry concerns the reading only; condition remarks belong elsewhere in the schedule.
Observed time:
5,12
